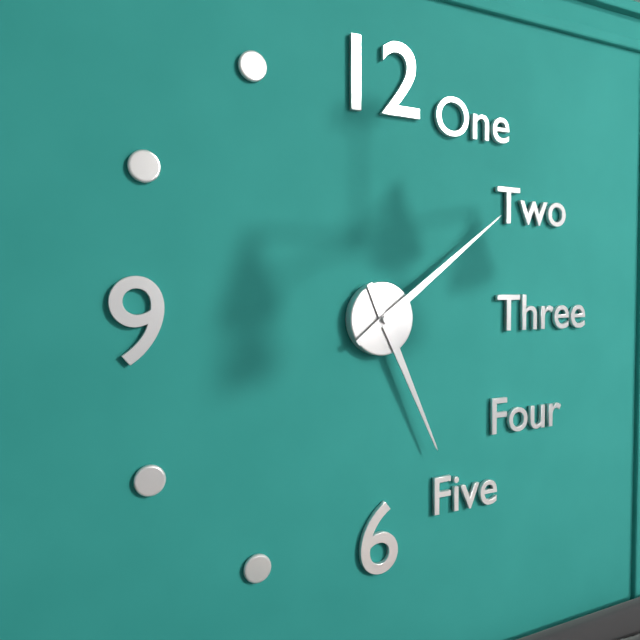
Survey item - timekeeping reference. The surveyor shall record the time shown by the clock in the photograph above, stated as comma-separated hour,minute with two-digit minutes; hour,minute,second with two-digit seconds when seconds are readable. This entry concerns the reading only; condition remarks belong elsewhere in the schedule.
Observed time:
5,09
